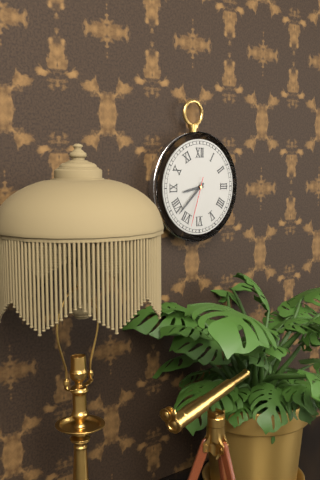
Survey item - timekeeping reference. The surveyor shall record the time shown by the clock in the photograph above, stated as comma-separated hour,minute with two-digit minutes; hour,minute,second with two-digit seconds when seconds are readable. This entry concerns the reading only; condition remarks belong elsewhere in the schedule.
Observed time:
8,38,33
